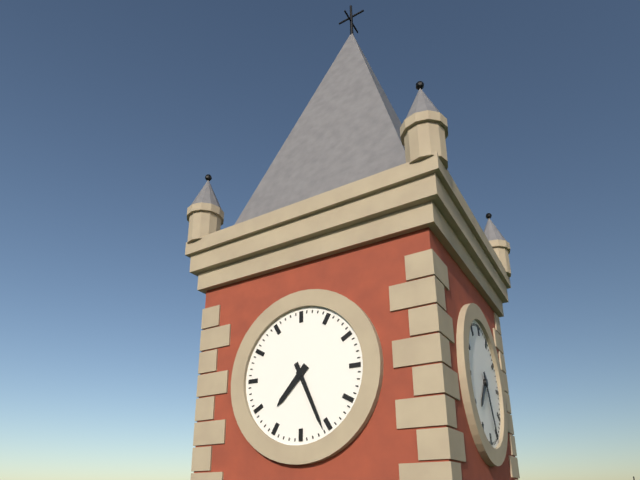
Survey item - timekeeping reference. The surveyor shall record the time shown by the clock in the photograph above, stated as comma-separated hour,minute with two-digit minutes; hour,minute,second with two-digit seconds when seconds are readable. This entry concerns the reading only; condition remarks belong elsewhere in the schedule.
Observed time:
7,26
